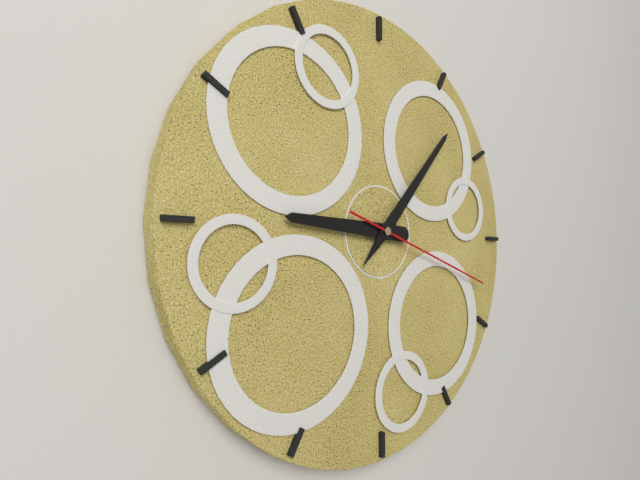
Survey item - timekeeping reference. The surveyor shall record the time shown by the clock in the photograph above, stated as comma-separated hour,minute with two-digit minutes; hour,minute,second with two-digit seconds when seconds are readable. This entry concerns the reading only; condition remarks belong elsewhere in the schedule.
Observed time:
9,07,18
